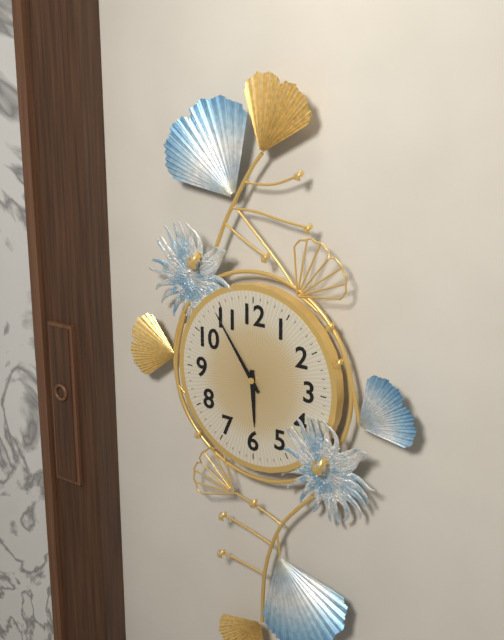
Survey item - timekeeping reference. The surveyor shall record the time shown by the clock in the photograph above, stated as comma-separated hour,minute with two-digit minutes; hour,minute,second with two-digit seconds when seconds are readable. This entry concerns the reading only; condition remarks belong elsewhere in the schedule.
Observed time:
5,54
